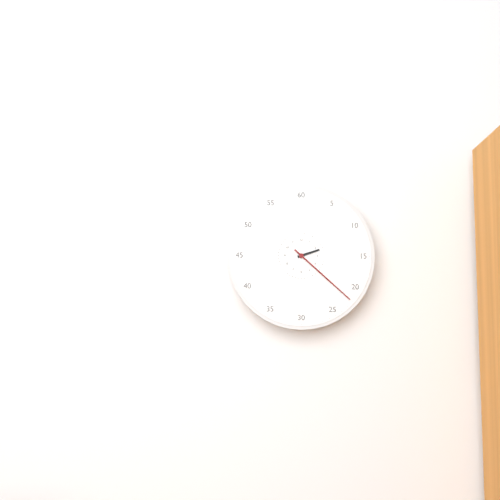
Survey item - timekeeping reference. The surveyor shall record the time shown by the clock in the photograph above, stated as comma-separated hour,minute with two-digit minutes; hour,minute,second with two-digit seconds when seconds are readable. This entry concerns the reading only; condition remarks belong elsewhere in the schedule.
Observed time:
2,22
